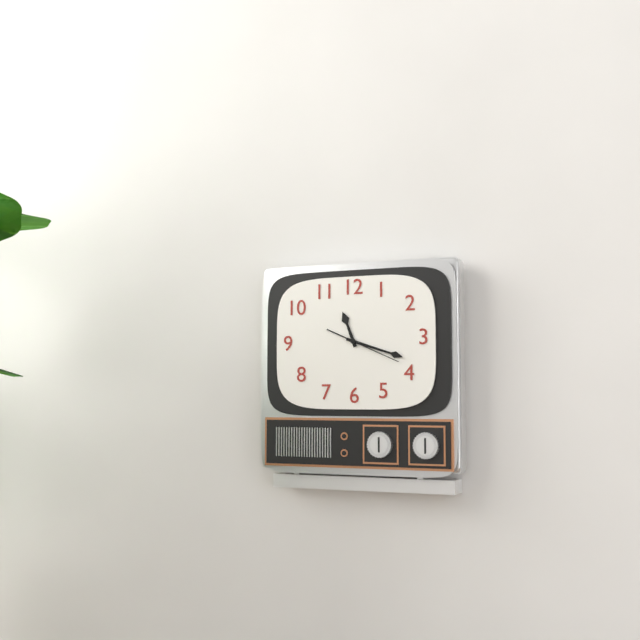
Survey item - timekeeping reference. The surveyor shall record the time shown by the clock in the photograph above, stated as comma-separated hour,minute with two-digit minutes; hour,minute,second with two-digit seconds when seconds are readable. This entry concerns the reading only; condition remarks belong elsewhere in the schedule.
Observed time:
11,18,19
